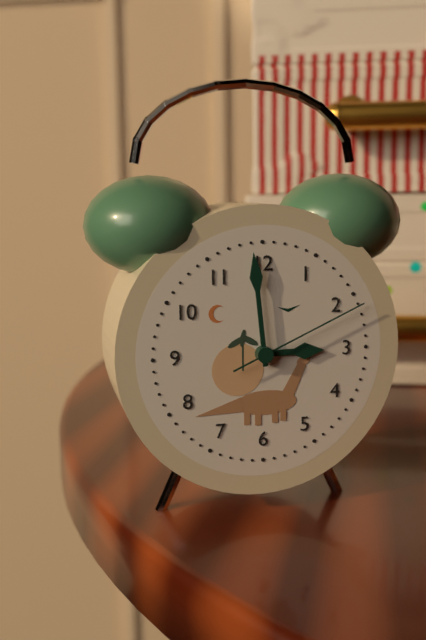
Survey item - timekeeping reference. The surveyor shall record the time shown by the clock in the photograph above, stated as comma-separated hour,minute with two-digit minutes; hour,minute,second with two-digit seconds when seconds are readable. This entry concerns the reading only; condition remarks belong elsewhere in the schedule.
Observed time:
2,59,11
